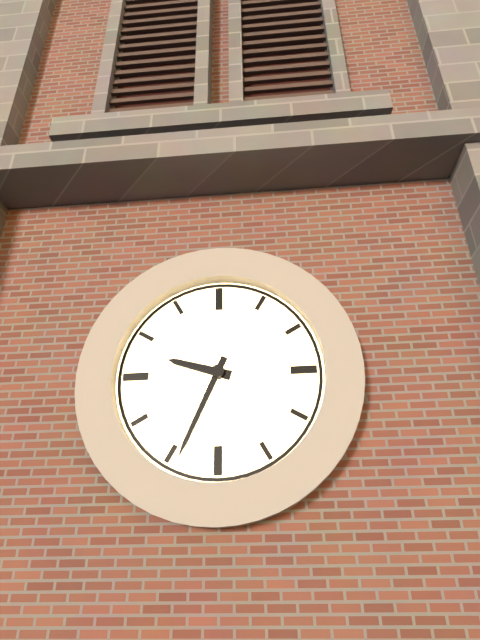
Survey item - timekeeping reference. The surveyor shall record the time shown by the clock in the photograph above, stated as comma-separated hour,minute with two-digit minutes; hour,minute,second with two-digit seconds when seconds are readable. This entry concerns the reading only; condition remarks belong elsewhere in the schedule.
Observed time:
9,34
